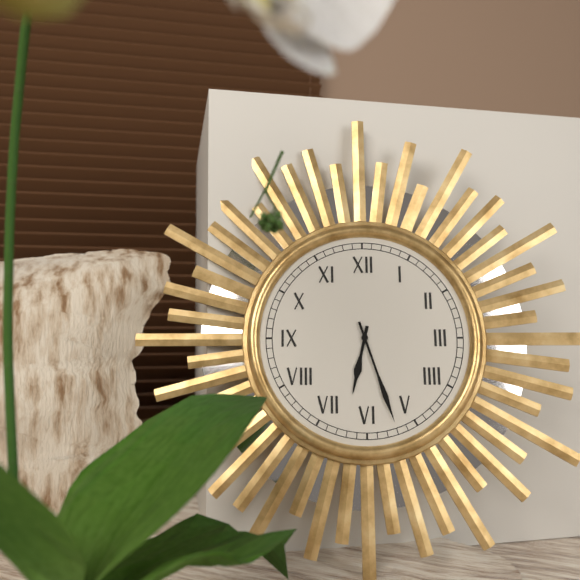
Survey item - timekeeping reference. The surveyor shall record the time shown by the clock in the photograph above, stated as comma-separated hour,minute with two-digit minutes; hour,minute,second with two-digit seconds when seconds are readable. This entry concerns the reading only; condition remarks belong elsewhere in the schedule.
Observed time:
6,27
